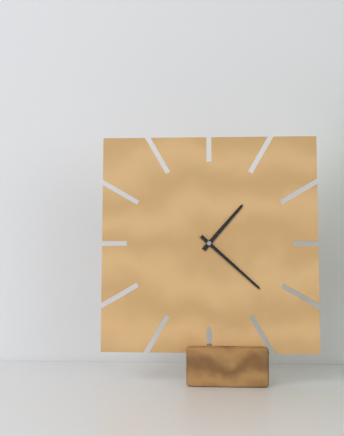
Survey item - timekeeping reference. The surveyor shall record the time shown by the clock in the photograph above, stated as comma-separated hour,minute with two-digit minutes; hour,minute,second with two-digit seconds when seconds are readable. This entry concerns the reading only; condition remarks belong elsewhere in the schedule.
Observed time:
1,22
